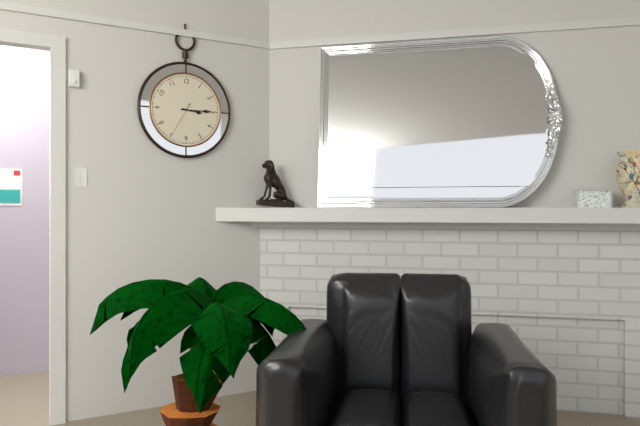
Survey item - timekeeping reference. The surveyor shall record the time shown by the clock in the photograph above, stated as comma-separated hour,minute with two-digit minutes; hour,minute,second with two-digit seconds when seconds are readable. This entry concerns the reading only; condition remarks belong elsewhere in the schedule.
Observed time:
3,15
